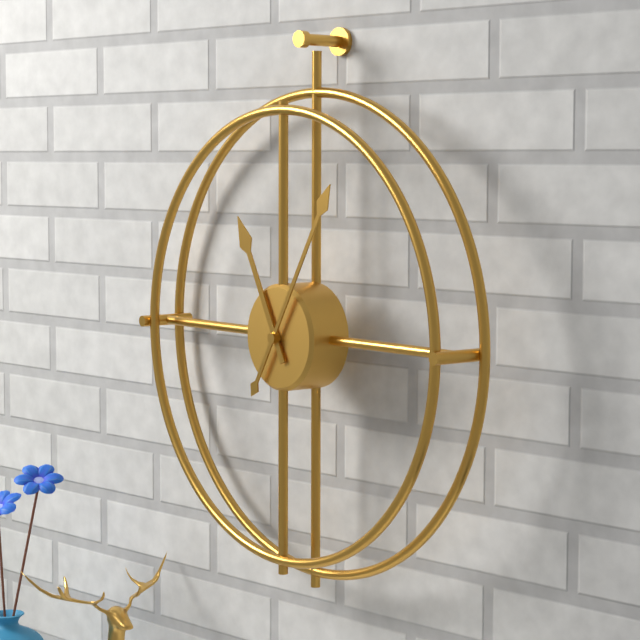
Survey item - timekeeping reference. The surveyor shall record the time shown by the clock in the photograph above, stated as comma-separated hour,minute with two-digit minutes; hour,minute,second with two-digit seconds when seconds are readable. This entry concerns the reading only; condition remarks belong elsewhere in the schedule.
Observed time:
11,05
